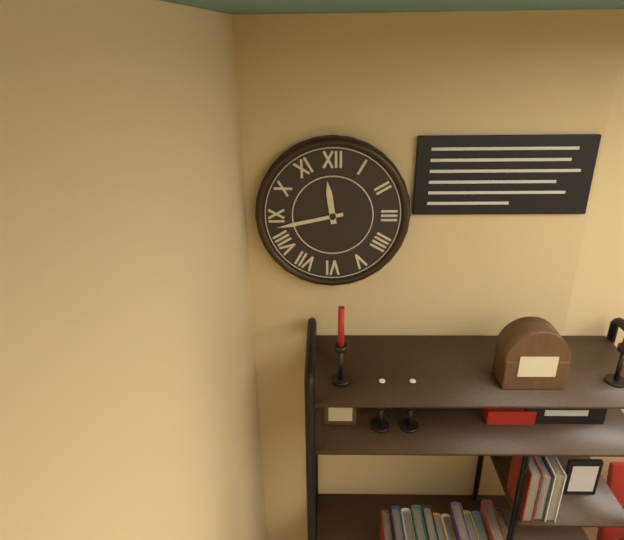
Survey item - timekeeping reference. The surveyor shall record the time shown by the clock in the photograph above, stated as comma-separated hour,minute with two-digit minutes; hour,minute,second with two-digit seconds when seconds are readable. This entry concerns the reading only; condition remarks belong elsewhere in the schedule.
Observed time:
11,43
